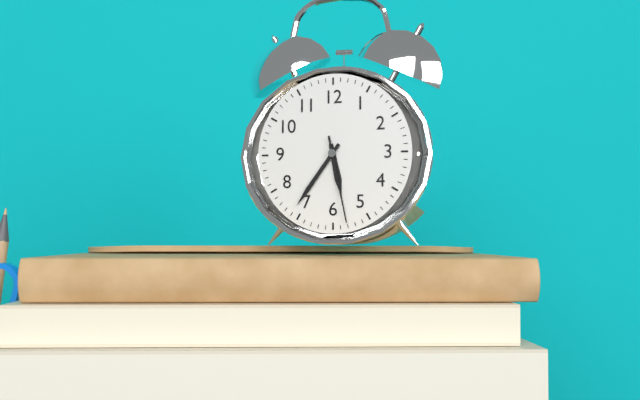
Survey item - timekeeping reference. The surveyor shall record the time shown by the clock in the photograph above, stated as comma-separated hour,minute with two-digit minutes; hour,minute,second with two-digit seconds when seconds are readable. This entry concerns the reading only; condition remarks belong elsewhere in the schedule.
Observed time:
5,36,28
